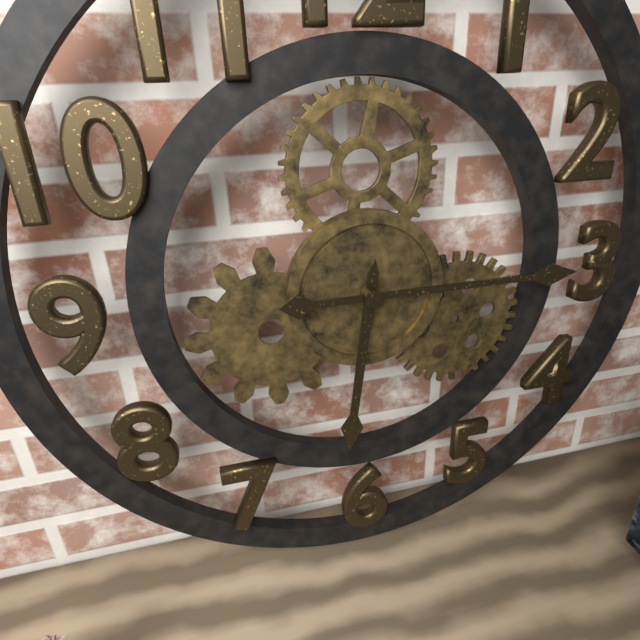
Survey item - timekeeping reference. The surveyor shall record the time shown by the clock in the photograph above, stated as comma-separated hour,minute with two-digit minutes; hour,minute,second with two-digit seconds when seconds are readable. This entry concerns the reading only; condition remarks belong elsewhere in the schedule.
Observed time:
6,15
